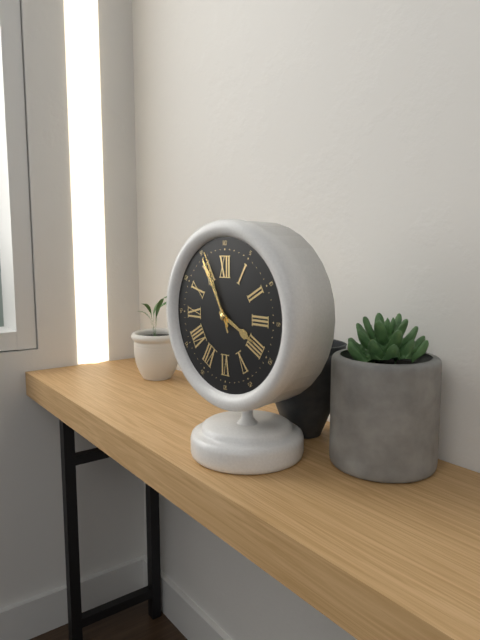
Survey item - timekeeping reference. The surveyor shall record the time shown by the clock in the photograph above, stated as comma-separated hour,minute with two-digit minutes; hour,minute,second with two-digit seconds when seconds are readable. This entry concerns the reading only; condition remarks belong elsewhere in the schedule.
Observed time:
3,55,56
